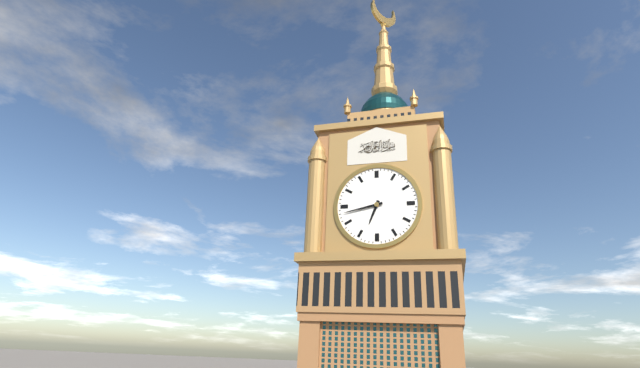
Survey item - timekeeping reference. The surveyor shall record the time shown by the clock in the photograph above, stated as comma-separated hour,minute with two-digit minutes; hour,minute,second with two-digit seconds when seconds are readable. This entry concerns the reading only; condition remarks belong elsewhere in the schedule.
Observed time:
6,43
